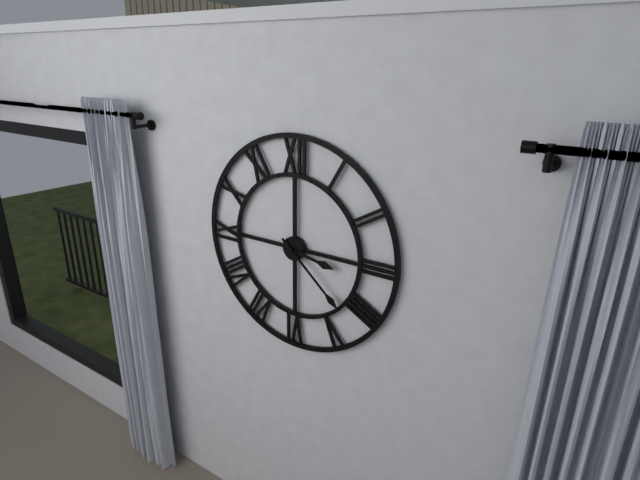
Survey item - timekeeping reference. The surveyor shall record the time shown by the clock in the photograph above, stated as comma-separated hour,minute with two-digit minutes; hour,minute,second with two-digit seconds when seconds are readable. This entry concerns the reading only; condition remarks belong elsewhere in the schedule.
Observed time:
3,22
